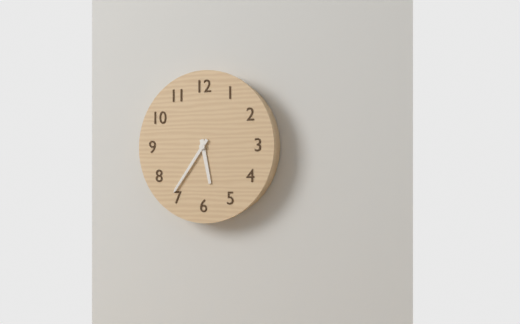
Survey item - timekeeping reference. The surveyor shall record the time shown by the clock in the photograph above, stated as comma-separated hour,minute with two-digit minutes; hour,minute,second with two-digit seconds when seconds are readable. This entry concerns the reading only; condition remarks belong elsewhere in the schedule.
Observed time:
5,36
